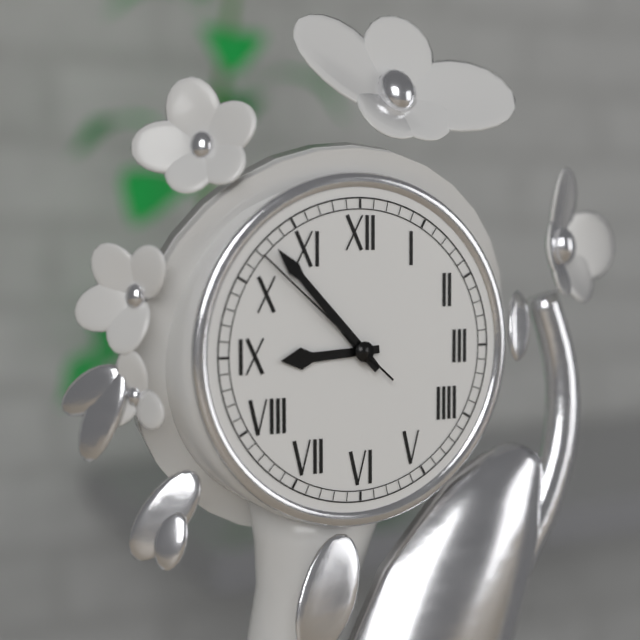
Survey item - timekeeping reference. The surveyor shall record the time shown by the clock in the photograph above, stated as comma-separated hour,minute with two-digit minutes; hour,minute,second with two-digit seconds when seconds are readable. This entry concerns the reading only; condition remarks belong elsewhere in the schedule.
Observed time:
8,53,52
